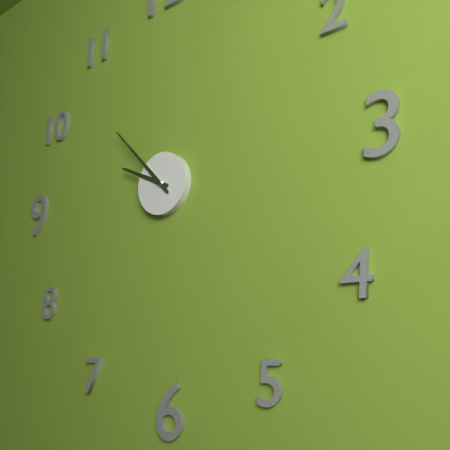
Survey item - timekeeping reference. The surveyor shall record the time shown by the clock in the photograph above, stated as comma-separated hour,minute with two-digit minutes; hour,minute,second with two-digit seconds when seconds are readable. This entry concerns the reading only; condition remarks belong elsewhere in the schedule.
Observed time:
9,53
